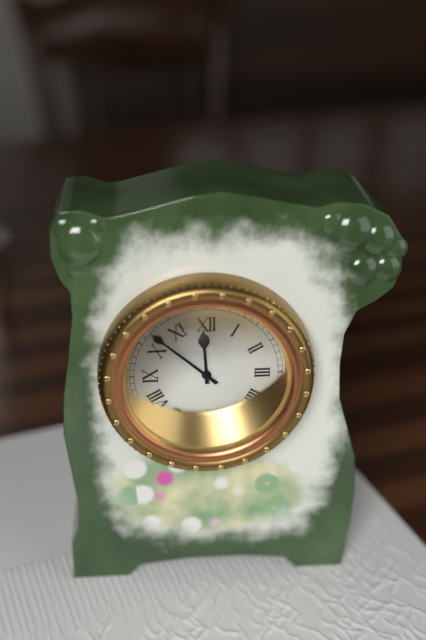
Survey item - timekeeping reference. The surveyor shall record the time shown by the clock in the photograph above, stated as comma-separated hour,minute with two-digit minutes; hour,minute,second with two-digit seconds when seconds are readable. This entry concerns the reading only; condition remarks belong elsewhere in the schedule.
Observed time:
11,52
